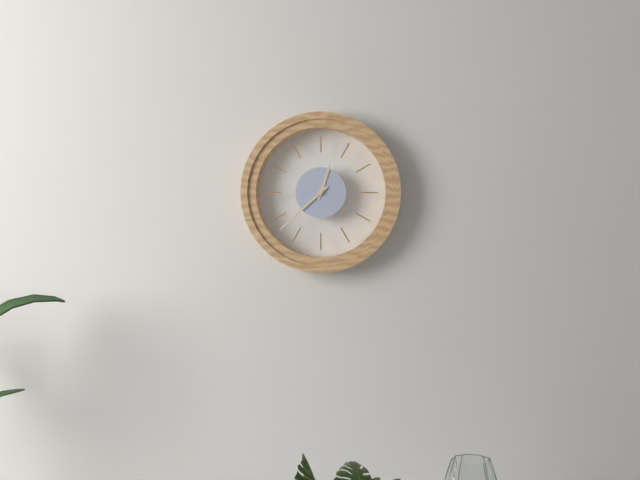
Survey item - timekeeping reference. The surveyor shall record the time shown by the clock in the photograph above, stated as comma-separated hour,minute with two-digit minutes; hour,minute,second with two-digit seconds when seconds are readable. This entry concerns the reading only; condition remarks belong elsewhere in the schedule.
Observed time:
12,38
